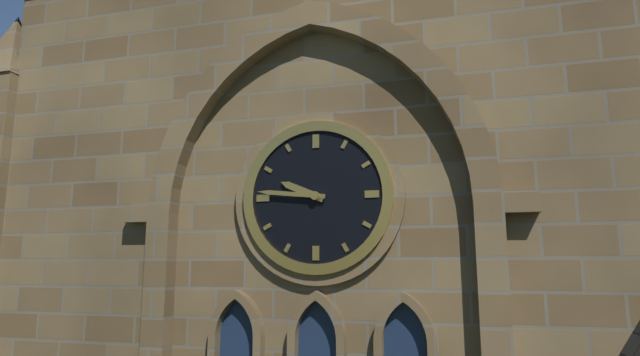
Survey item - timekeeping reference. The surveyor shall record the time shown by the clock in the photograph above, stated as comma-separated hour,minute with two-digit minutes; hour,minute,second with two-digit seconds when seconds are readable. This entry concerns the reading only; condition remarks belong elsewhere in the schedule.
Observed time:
9,46
